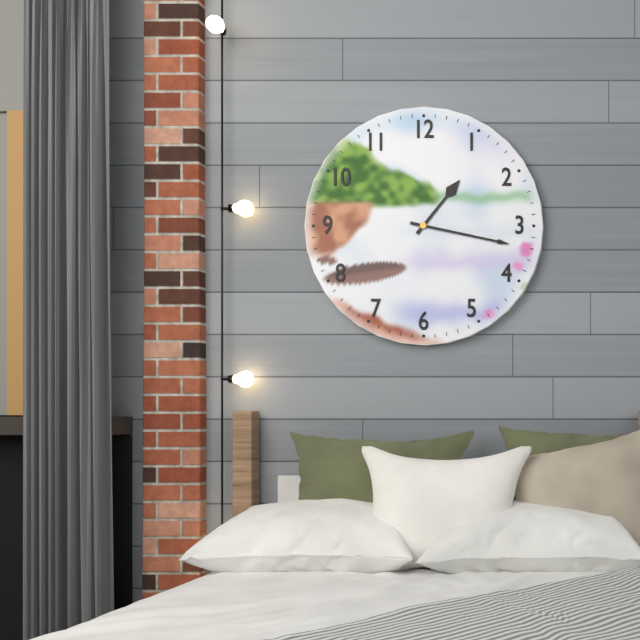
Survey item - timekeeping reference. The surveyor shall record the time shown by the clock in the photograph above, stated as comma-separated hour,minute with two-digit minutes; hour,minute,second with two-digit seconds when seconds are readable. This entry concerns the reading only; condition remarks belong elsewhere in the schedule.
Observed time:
1,17
